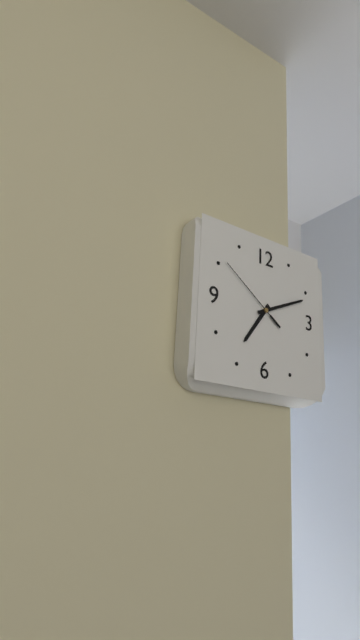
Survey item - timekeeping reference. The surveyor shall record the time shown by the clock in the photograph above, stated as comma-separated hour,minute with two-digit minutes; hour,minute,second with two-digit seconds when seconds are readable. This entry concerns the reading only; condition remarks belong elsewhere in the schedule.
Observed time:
7,11,51
